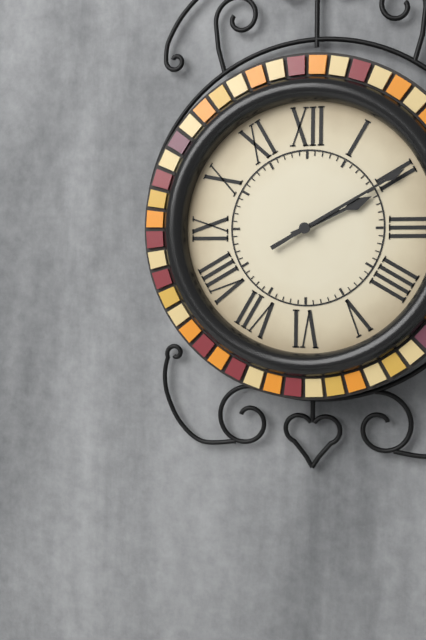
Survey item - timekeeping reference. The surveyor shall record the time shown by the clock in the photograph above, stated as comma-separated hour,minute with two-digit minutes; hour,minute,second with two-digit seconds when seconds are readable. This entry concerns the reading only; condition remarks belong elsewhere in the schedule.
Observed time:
2,10
